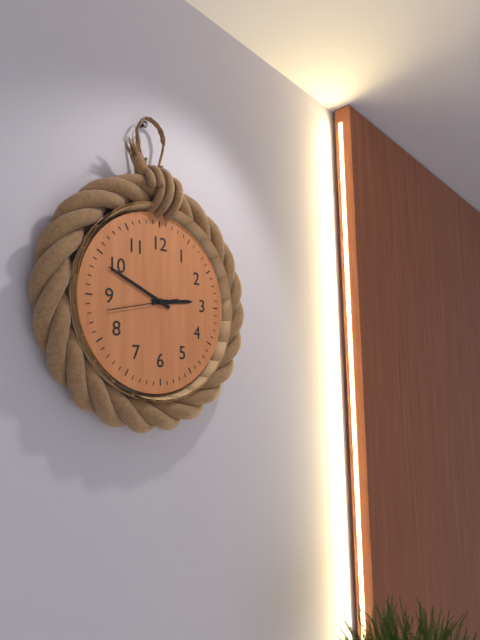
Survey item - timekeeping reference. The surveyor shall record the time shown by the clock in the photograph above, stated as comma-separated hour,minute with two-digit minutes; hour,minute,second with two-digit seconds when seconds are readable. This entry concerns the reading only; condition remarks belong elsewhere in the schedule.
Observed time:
2,49,43
